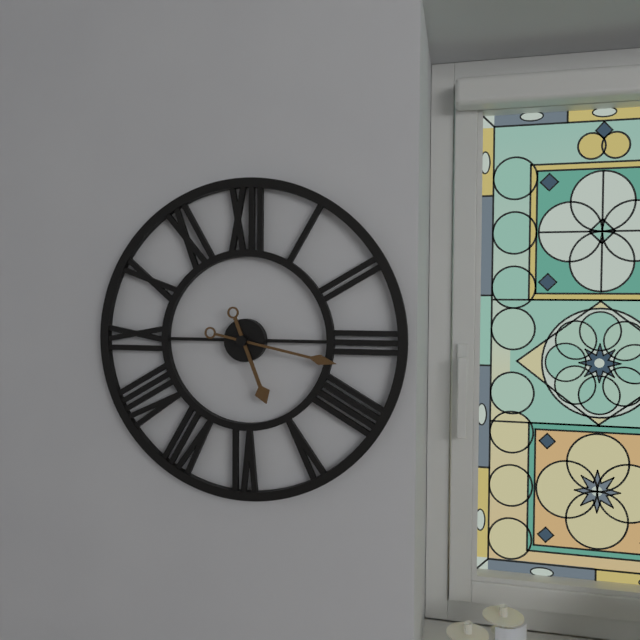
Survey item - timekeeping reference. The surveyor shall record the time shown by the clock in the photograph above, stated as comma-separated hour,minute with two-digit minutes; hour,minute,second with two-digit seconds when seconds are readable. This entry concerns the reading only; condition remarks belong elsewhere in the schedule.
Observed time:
5,17
